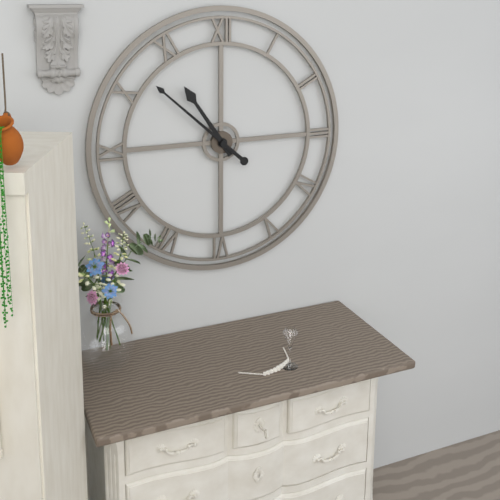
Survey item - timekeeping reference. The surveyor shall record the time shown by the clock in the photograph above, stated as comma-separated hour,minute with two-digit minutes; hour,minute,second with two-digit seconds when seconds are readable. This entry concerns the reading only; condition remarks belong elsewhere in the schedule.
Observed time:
10,52
